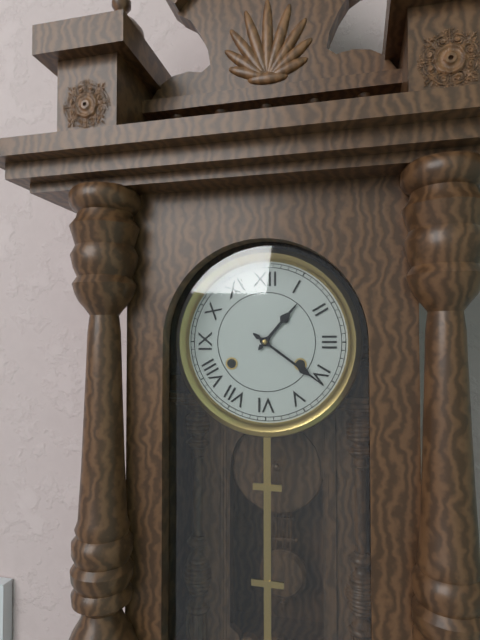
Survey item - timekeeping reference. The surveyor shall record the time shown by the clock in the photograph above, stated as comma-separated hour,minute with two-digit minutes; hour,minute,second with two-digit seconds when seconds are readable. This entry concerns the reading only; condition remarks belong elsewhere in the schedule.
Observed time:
1,21
